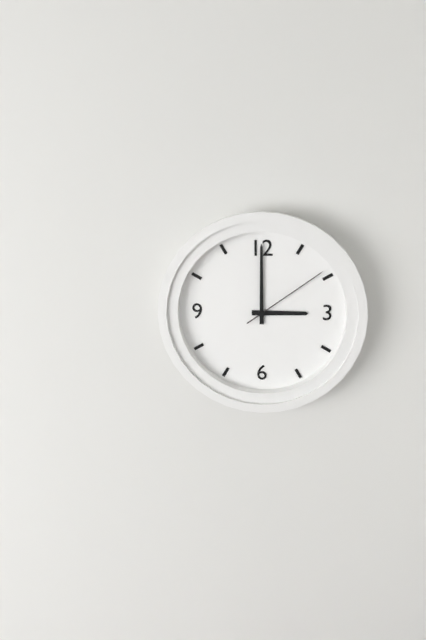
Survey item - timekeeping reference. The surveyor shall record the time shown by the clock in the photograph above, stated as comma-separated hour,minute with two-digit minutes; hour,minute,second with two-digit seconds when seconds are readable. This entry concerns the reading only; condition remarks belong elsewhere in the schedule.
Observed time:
3,00,09
